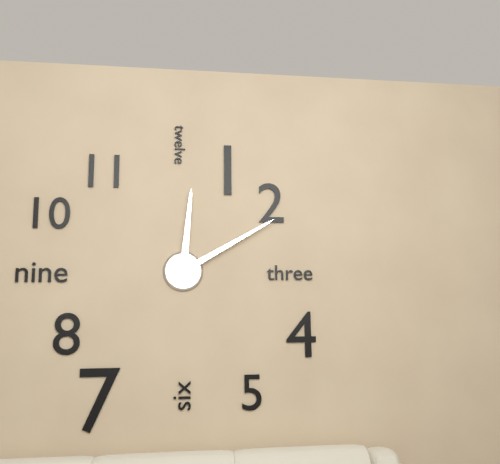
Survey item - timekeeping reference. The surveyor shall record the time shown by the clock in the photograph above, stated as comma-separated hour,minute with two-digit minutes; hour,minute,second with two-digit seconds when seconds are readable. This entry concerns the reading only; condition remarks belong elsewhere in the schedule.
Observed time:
12,10
